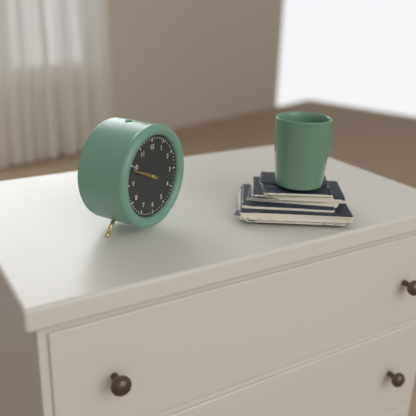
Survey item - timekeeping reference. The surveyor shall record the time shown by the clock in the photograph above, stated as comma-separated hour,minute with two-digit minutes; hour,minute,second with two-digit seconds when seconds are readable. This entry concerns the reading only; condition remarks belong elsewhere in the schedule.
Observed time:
9,49
